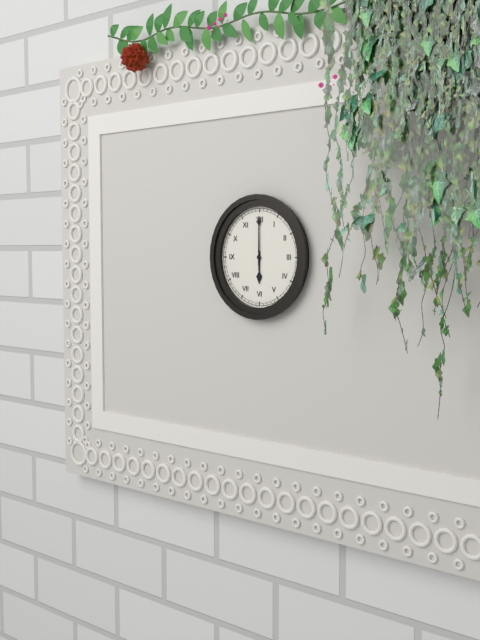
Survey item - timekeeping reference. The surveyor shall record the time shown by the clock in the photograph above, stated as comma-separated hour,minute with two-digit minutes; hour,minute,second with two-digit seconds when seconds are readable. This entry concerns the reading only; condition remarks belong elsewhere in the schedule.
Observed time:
6,00
